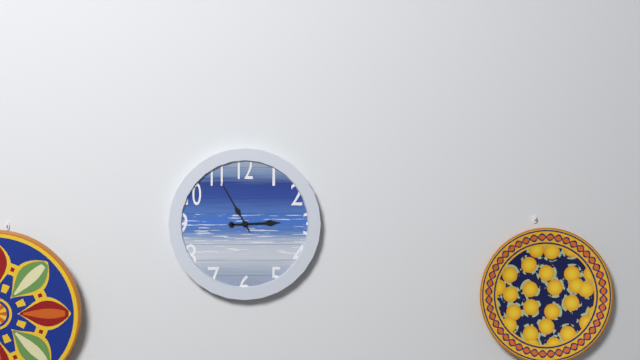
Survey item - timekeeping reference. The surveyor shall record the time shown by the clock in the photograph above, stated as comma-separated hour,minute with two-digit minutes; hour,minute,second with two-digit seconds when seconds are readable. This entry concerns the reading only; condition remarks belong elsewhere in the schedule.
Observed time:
2,55
